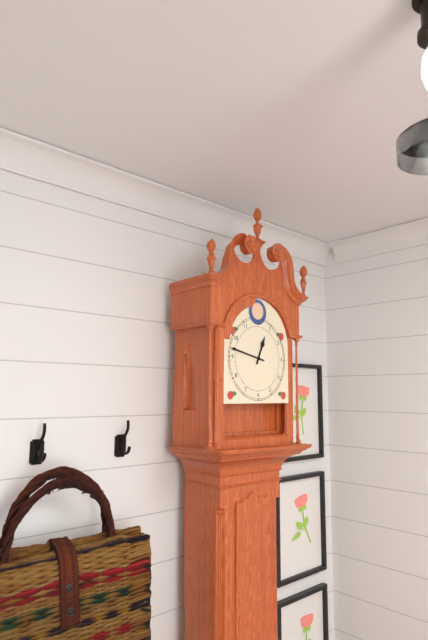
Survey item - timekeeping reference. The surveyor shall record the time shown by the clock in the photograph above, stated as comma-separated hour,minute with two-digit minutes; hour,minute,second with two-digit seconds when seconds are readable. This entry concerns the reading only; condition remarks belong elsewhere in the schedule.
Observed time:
12,47
